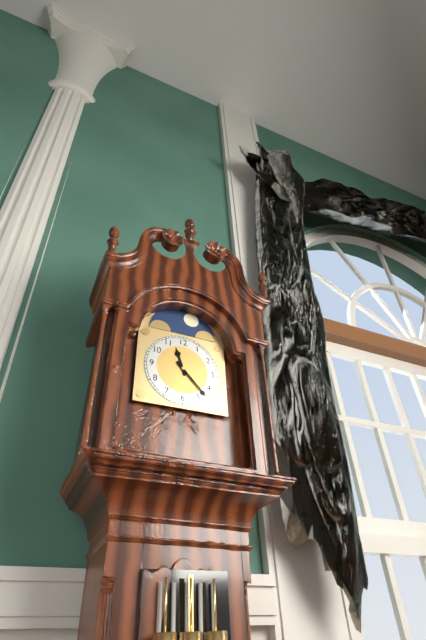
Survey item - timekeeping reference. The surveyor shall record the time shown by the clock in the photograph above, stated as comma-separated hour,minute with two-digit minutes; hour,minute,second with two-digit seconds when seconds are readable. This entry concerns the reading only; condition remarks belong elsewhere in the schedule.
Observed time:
11,23
